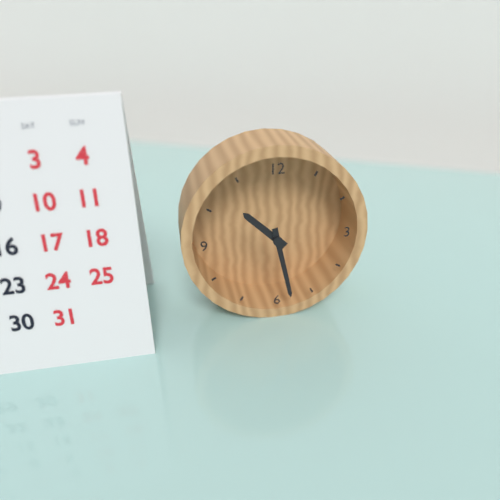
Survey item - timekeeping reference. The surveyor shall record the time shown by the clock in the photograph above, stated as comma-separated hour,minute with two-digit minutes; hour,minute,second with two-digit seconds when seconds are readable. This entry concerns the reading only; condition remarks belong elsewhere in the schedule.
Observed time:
10,28
